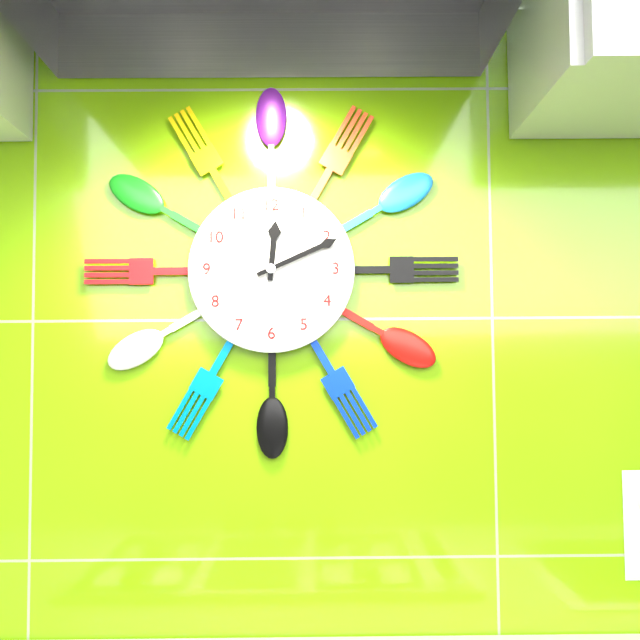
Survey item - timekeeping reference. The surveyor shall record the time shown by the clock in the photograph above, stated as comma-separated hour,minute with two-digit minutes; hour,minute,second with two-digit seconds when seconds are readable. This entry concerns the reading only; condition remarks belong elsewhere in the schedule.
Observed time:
12,11
